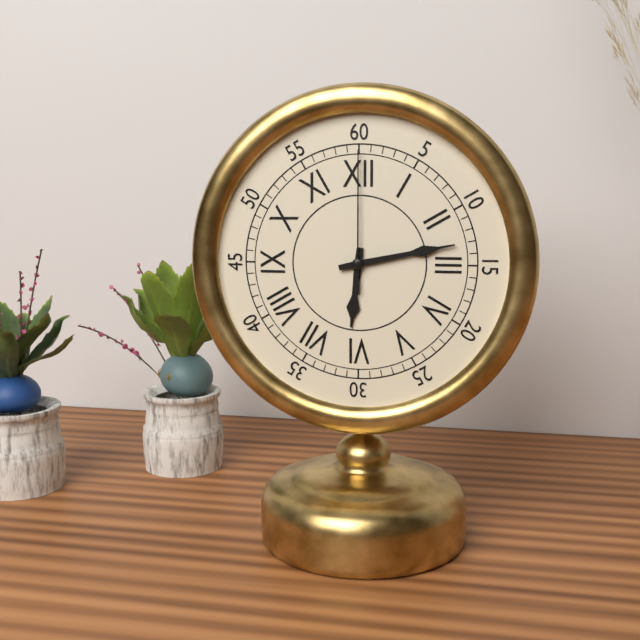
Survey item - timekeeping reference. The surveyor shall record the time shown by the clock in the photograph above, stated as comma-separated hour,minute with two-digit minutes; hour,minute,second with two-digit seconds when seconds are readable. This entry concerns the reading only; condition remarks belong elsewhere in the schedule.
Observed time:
6,13,00
